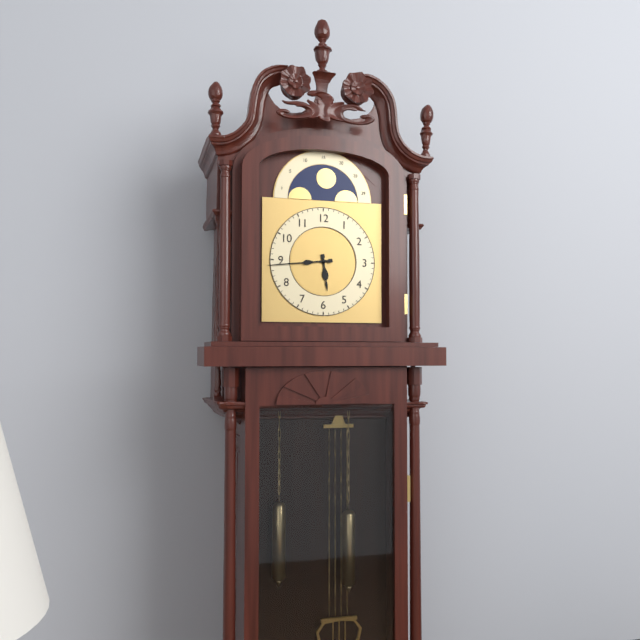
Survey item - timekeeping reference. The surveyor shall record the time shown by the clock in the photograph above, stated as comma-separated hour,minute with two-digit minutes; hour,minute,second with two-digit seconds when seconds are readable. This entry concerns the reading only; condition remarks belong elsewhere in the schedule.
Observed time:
5,44
